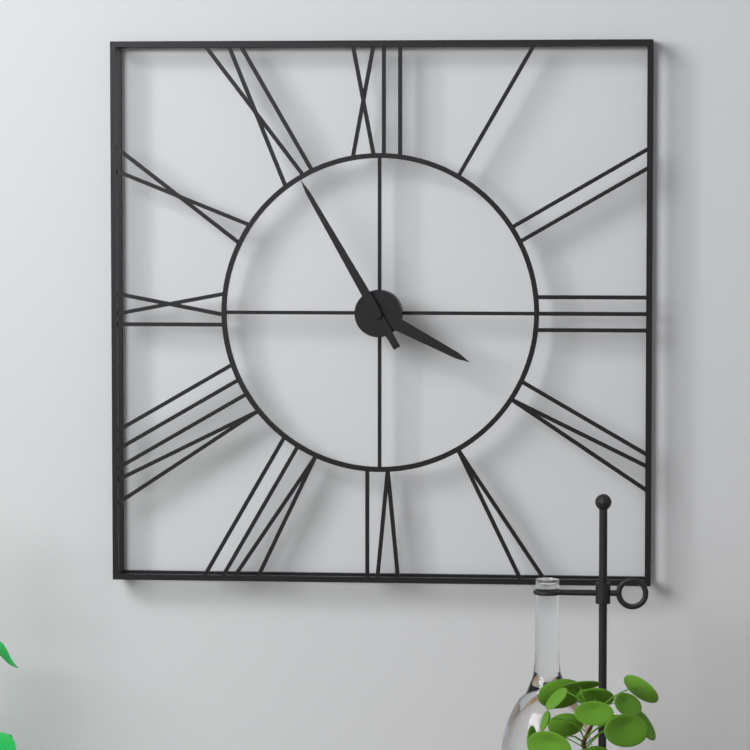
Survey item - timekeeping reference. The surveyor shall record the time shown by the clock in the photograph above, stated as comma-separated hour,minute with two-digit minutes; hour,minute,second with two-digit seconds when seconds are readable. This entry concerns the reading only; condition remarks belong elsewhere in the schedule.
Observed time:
3,55
